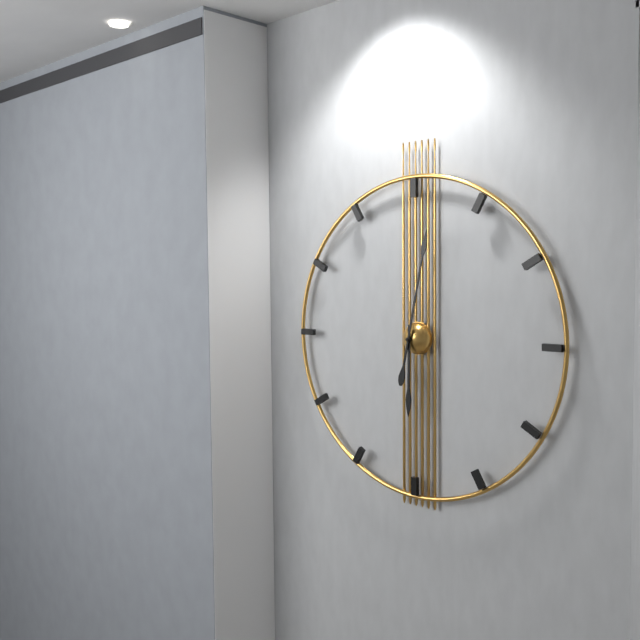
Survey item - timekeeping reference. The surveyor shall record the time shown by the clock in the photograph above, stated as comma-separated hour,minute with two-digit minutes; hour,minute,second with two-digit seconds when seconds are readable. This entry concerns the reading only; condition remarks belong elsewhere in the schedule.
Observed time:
6,02
